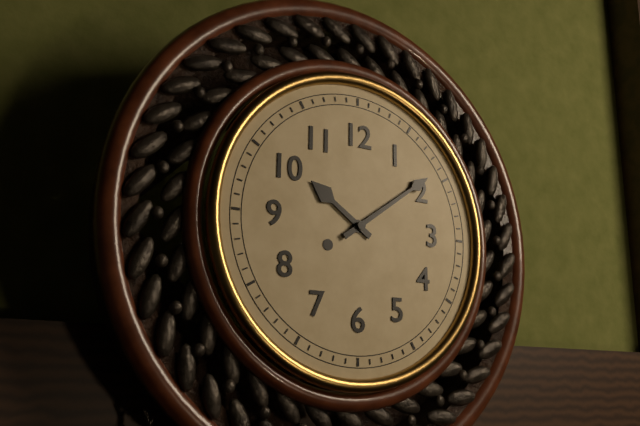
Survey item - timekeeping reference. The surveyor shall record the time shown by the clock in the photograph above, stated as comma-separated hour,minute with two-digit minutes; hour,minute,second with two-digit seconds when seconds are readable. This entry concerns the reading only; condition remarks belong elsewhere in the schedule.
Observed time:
10,09
